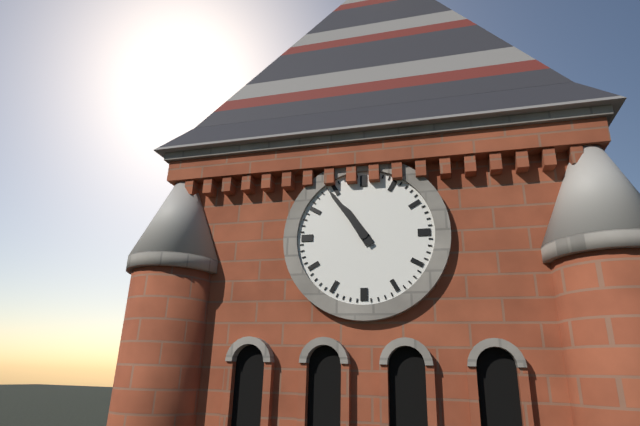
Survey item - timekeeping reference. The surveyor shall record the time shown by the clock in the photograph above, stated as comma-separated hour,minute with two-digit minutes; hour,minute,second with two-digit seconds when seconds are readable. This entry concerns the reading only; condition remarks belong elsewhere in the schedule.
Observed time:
10,54
